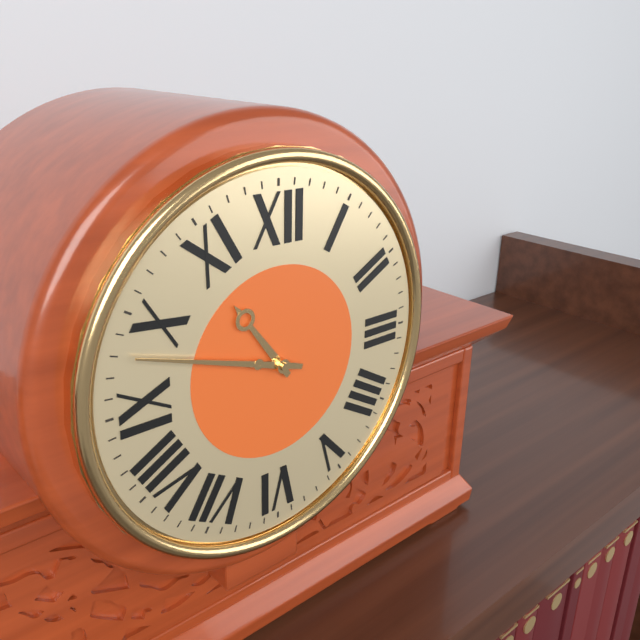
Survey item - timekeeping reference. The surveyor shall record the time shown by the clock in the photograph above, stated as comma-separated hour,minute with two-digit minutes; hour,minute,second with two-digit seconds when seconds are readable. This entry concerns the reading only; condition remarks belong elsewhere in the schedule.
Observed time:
10,48
